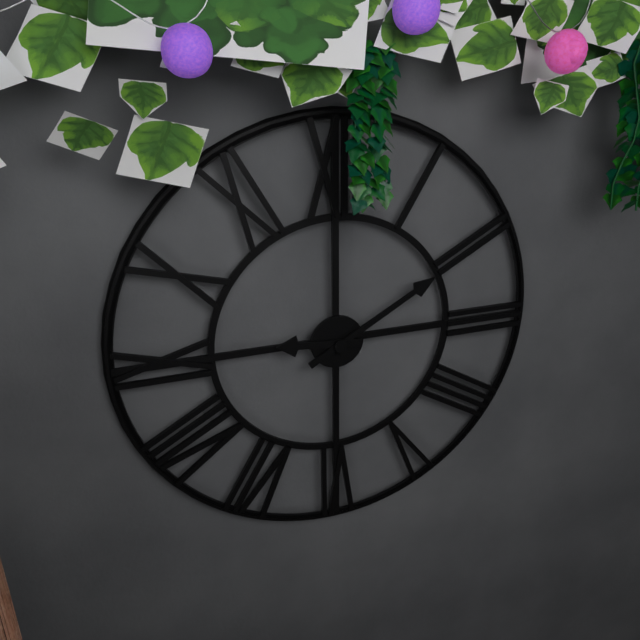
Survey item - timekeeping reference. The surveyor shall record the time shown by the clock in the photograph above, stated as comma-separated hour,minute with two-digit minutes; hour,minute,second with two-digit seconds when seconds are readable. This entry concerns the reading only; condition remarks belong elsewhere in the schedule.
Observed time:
9,10
